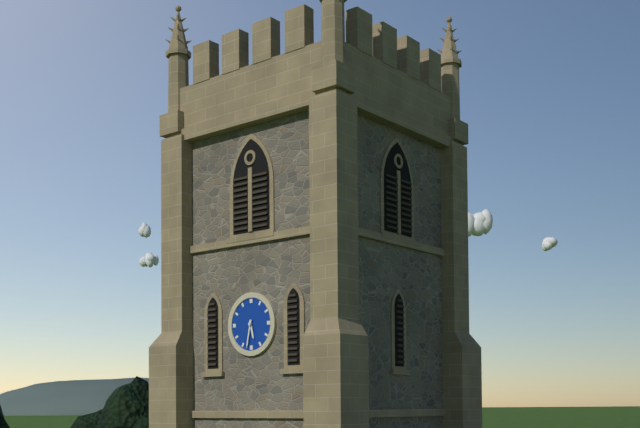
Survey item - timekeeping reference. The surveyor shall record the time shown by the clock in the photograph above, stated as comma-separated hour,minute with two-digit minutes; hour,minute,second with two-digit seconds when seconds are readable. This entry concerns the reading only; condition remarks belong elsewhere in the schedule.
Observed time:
5,32
